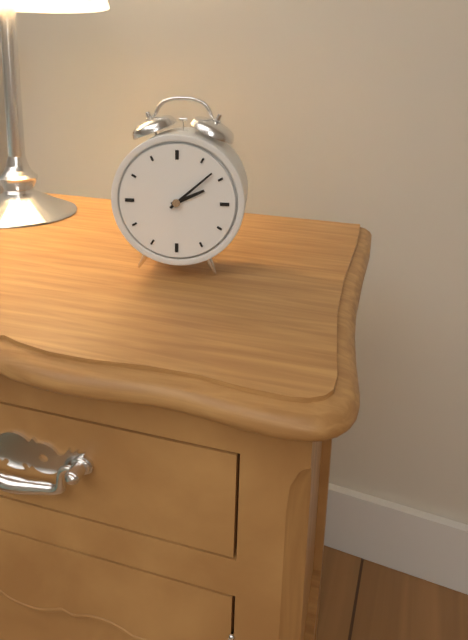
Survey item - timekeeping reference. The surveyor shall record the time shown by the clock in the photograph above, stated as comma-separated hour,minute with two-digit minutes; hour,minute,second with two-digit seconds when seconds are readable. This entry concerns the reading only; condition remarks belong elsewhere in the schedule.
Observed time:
2,08
